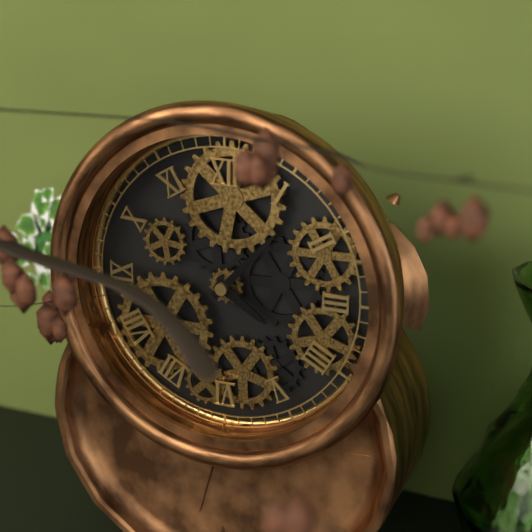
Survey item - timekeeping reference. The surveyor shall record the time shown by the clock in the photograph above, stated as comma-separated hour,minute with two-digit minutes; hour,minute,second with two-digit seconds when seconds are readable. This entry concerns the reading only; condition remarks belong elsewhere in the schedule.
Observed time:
4,07
